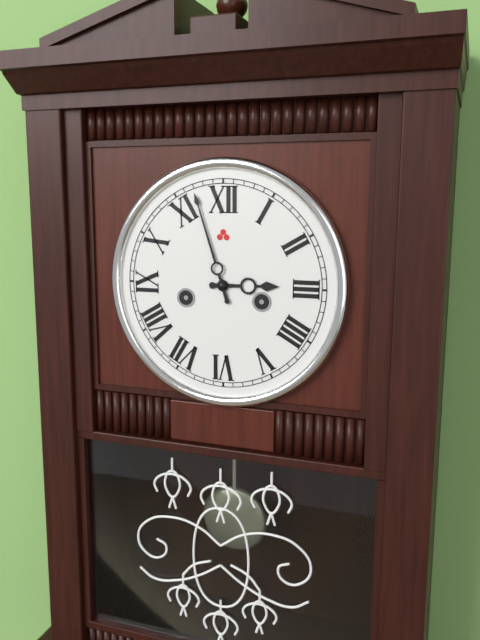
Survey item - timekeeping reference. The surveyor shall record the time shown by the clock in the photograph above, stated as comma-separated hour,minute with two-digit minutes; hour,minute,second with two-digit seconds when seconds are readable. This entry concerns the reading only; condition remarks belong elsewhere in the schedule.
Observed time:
2,57
